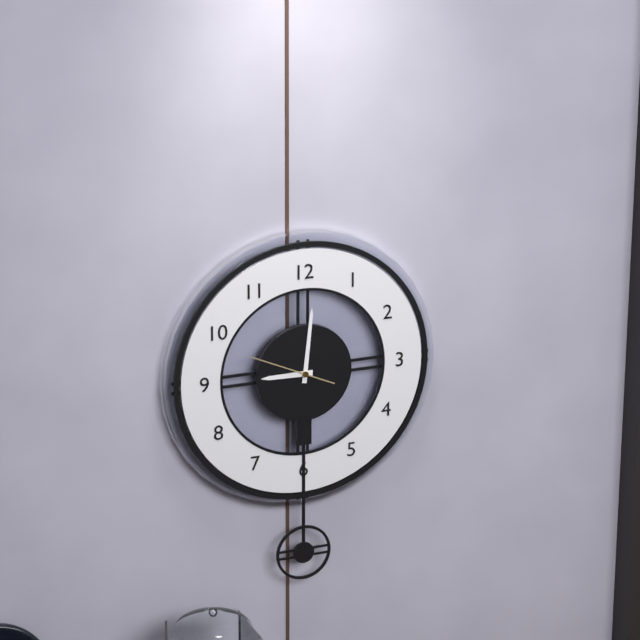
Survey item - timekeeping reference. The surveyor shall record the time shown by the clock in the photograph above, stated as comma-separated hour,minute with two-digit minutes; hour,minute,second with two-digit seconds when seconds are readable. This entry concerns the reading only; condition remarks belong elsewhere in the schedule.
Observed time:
9,01,49
